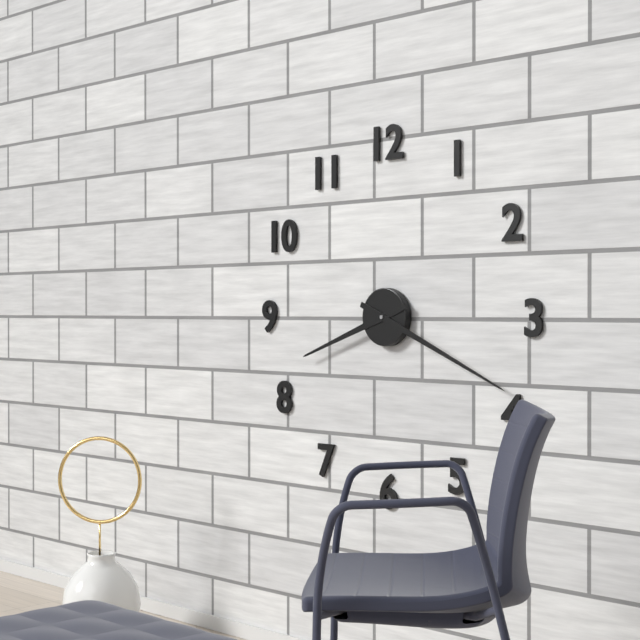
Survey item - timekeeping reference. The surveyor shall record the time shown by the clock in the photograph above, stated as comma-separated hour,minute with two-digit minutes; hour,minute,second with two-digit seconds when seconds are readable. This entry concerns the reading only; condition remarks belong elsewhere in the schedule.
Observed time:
8,19
